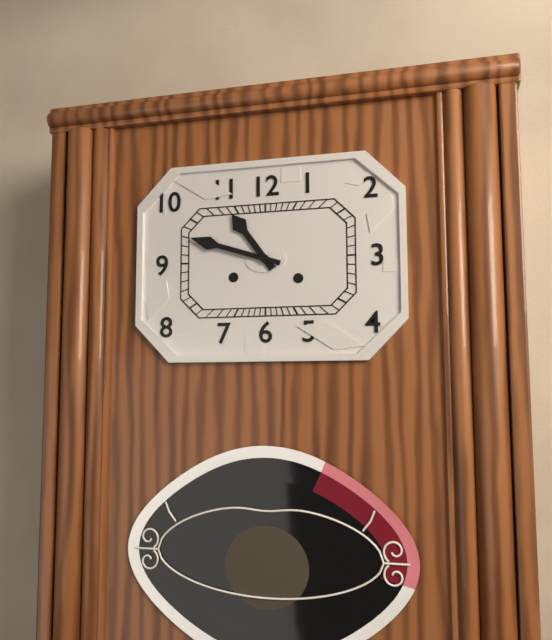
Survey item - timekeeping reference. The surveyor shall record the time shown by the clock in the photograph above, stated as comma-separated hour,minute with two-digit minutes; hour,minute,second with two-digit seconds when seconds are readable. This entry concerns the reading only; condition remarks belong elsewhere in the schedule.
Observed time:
10,48
